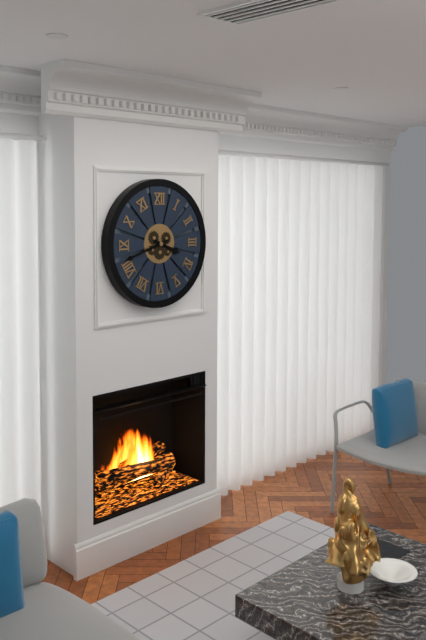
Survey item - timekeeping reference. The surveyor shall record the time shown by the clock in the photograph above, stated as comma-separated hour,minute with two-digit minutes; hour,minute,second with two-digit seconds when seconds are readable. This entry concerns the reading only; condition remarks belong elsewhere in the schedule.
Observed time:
3,42
